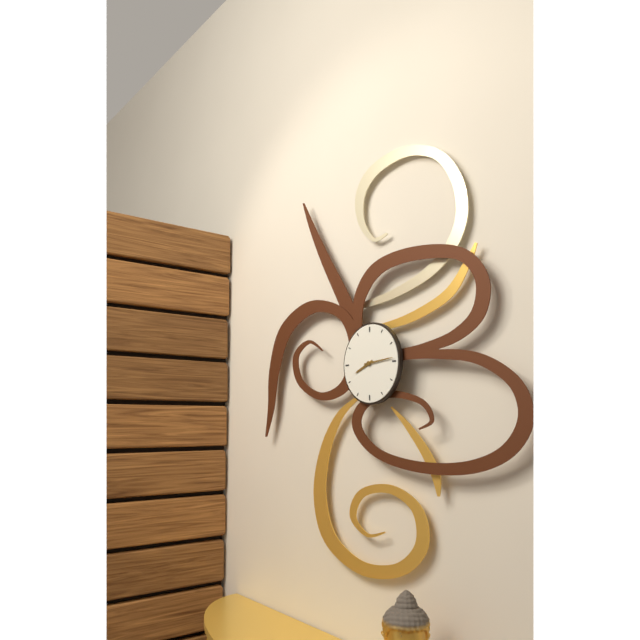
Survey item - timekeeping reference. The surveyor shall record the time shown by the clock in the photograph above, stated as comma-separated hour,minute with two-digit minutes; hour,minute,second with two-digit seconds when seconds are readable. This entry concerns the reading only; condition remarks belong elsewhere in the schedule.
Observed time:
8,14
